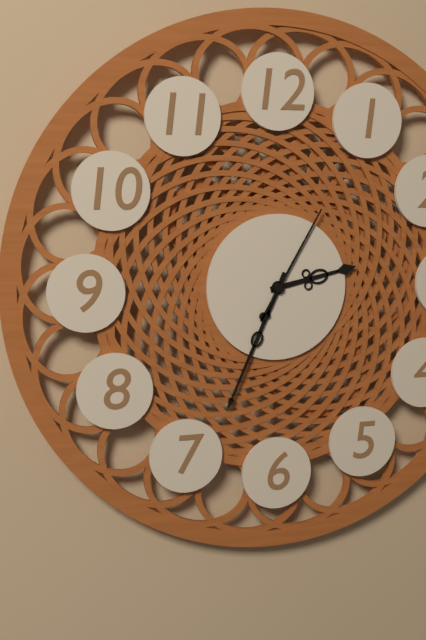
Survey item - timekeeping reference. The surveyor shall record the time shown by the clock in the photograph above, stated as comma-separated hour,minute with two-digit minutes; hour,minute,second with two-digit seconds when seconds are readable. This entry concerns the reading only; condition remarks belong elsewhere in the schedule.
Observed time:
2,34,05
